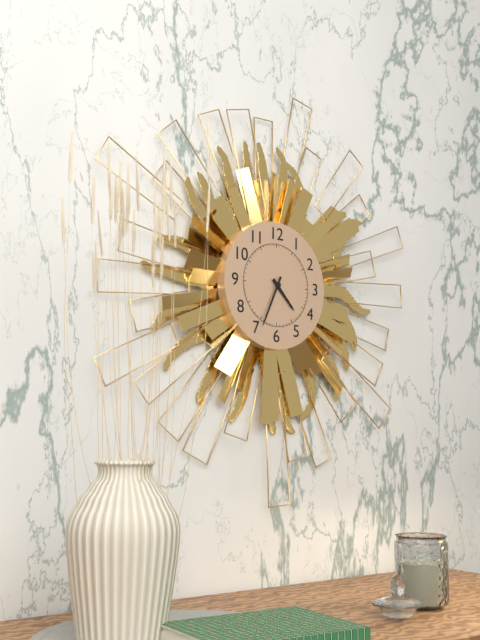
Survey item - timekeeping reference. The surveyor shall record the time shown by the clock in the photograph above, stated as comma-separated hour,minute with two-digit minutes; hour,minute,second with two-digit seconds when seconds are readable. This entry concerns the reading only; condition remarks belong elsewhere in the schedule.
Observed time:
4,34
